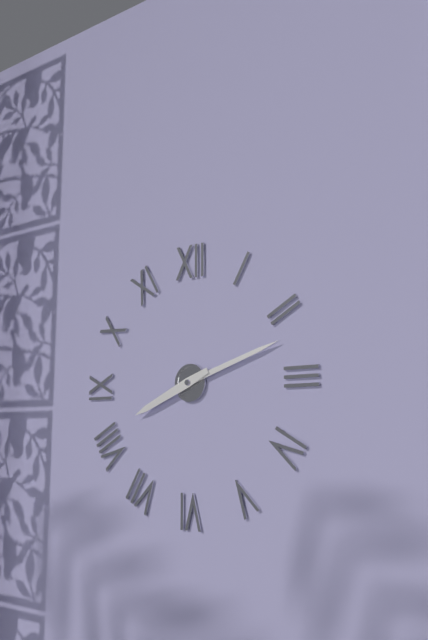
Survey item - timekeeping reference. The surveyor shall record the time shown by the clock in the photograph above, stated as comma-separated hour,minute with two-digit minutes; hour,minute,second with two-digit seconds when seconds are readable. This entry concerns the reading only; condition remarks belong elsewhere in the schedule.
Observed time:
8,12
